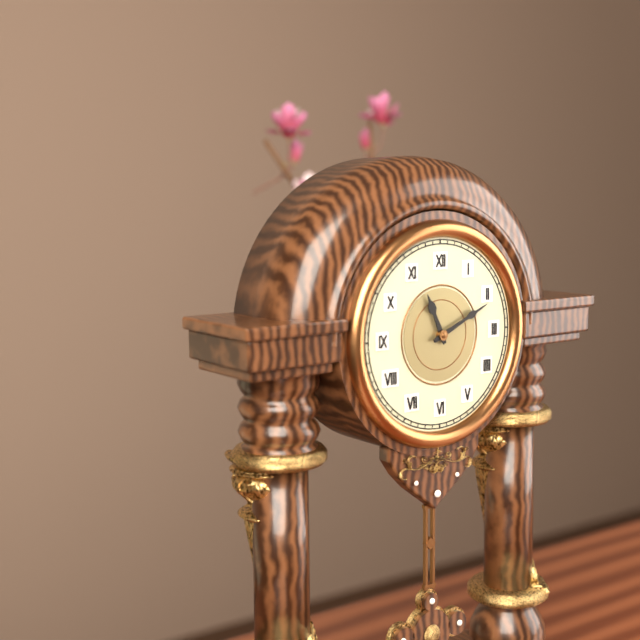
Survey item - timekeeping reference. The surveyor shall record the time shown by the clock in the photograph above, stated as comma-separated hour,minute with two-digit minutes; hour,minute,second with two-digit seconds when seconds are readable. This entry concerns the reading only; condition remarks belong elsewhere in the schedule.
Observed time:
11,11
